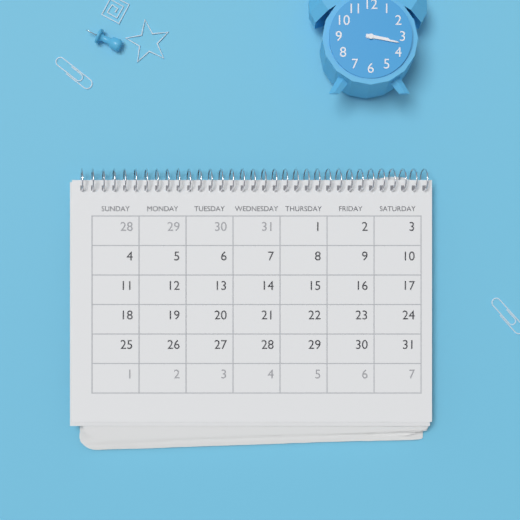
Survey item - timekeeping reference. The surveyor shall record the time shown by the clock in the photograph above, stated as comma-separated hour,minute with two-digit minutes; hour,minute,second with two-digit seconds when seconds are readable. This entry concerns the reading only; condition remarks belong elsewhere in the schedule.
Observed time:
3,17
